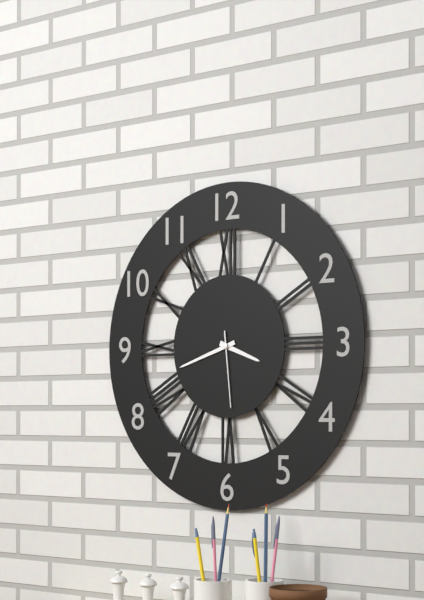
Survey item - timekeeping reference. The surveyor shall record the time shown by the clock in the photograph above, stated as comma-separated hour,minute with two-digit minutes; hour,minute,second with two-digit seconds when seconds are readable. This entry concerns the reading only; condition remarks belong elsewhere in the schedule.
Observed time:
3,42,29
